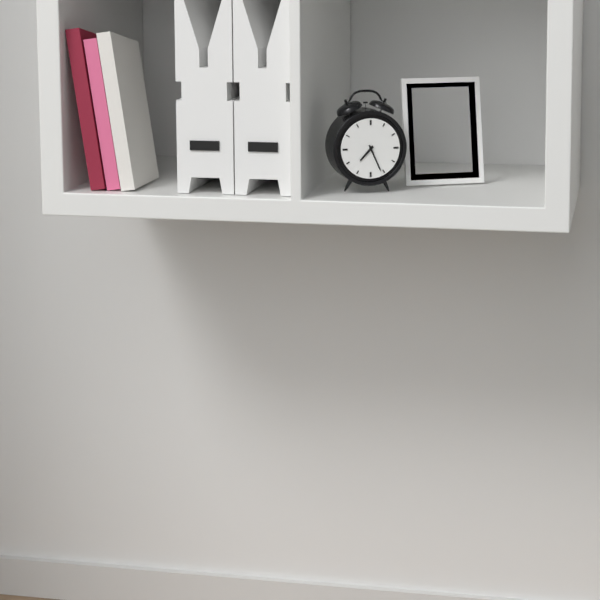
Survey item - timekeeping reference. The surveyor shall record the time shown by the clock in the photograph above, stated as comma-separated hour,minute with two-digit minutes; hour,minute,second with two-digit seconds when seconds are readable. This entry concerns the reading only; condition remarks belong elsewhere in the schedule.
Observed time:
7,26
